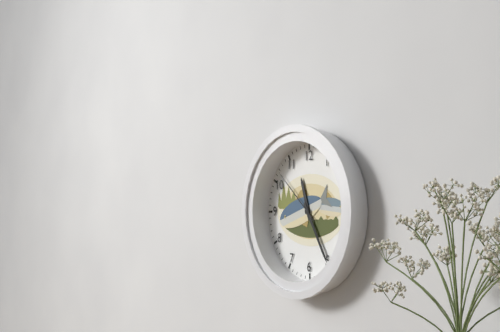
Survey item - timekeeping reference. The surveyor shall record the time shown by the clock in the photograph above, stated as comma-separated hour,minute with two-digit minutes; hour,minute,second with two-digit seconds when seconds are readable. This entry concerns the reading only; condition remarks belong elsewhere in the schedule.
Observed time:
11,25,52
